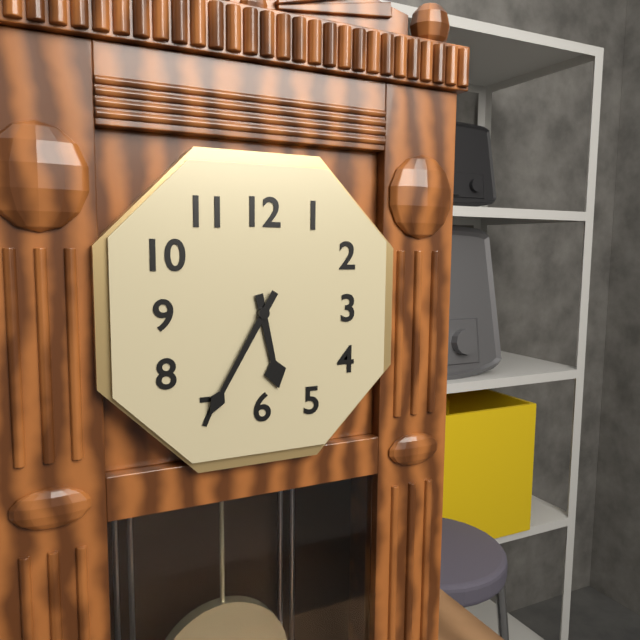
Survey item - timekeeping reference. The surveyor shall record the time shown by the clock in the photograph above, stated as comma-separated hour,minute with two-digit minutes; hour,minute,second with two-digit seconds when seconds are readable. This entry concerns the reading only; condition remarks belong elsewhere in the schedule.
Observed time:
5,35
